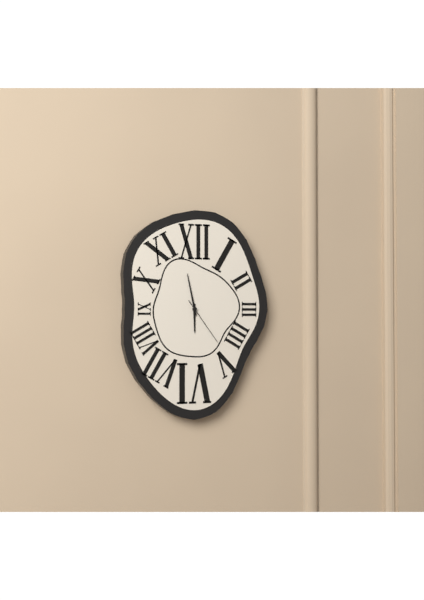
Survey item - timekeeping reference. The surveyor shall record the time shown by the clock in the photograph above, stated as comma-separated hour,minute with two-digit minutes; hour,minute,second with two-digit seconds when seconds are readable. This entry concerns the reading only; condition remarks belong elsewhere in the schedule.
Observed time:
5,58,24
